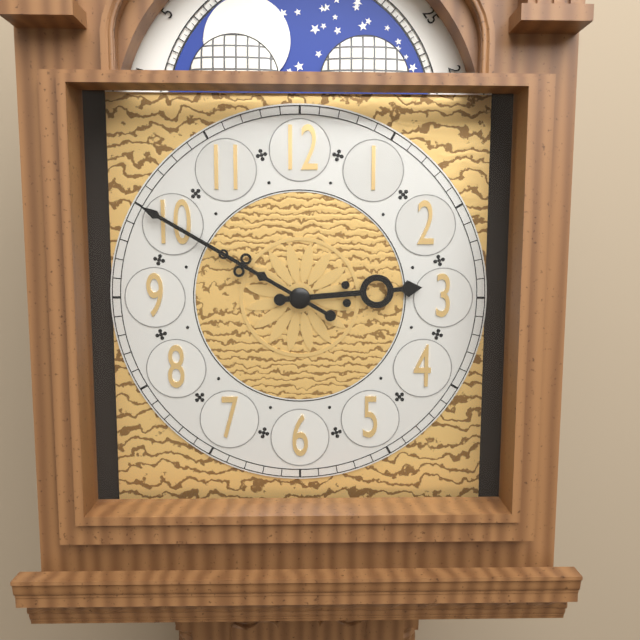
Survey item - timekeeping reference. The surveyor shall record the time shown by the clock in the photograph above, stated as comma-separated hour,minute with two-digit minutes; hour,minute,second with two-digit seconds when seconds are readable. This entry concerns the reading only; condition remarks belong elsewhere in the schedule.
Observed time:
2,50
